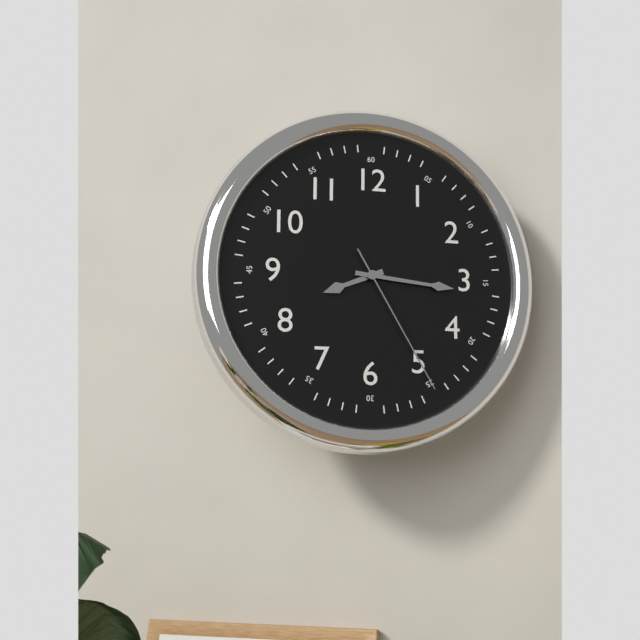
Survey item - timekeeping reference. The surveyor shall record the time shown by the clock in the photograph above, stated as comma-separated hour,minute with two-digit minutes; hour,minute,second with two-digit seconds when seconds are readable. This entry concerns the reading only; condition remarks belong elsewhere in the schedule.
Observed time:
8,16,25
